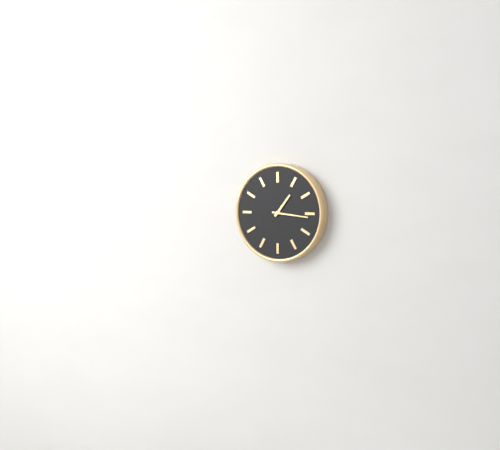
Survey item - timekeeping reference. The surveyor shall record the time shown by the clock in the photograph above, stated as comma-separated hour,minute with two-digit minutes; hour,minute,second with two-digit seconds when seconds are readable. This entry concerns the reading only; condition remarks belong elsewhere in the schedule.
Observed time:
1,16
